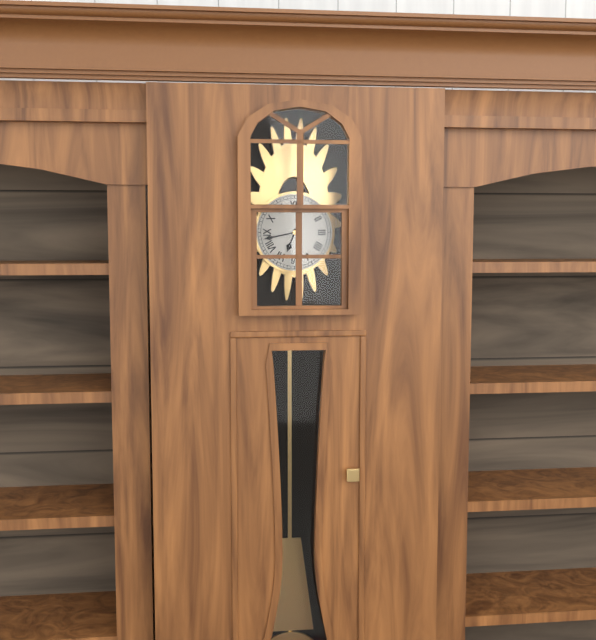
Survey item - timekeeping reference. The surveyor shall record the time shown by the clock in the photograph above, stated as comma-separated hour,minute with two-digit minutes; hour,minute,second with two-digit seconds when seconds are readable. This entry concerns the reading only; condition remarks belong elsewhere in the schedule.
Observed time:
6,43
